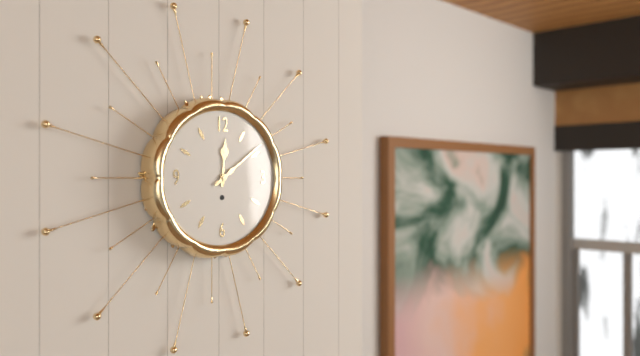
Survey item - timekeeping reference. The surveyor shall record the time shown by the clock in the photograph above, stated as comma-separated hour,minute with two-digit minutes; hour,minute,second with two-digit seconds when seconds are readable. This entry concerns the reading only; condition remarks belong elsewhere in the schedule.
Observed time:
12,09
